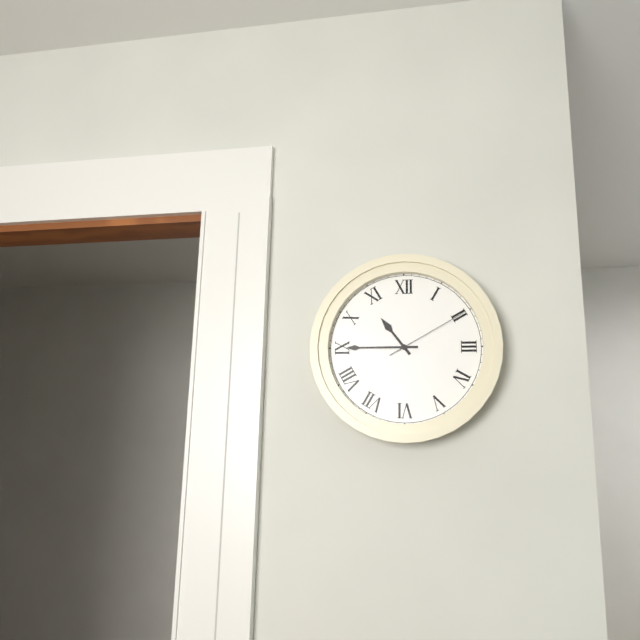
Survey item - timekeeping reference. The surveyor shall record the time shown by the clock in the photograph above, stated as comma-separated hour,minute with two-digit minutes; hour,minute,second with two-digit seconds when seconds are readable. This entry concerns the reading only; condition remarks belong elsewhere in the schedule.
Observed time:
10,45,10
